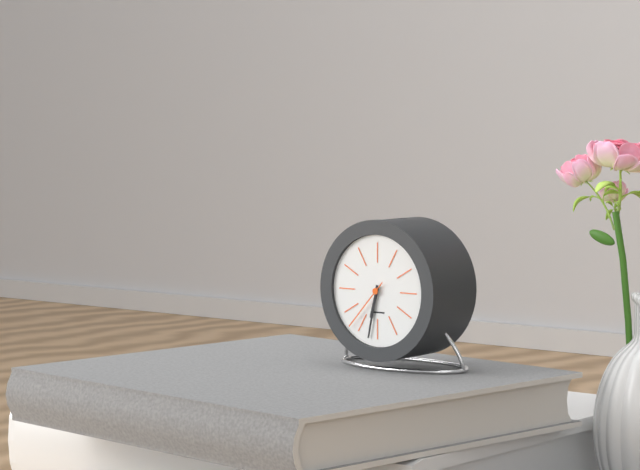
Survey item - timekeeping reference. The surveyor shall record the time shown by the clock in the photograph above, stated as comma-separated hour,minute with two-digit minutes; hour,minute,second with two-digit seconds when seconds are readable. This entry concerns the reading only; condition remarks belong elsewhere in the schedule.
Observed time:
6,32,37
